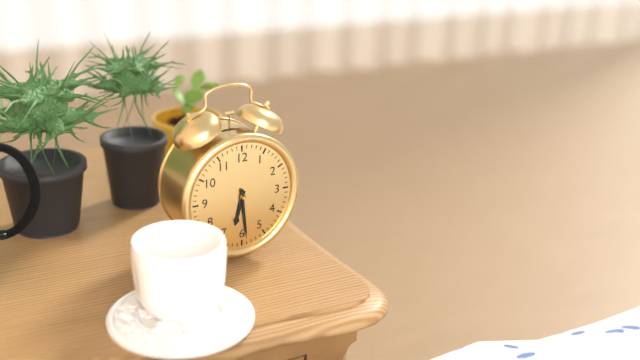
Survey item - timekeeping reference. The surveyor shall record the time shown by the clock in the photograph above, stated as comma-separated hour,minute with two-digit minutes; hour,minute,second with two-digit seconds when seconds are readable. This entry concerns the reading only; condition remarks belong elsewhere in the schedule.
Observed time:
6,29
